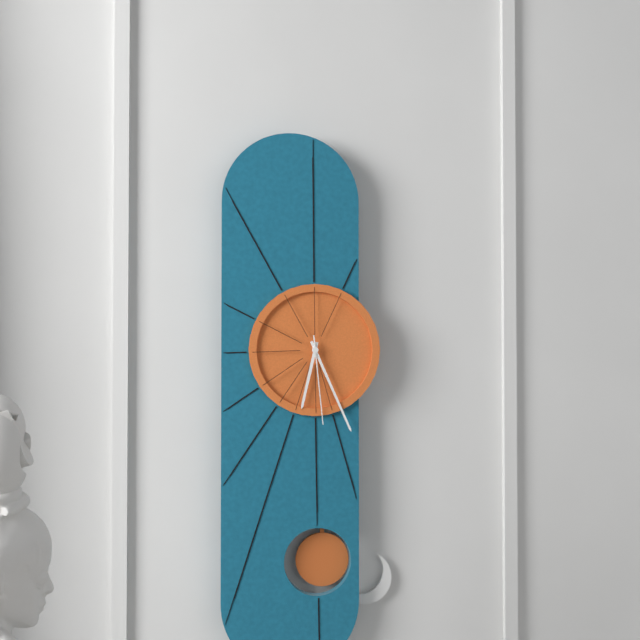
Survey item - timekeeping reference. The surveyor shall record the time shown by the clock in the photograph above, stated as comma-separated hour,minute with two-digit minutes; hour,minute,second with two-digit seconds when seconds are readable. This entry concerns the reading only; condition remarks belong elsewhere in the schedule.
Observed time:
6,26,29
